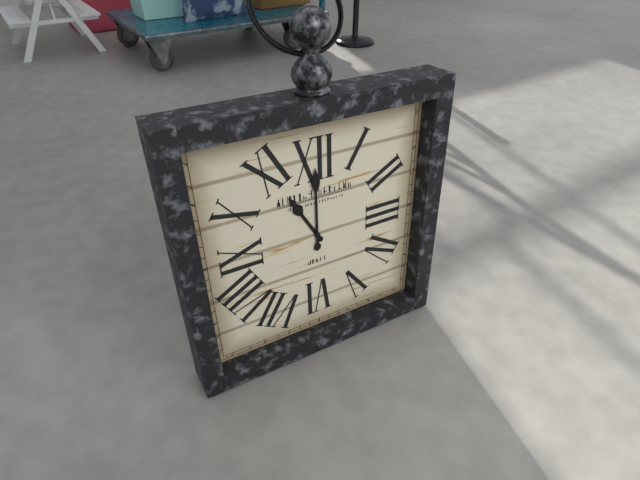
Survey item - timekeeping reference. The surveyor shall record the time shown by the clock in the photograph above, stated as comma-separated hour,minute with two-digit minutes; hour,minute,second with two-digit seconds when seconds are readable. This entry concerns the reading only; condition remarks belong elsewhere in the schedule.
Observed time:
11,00
